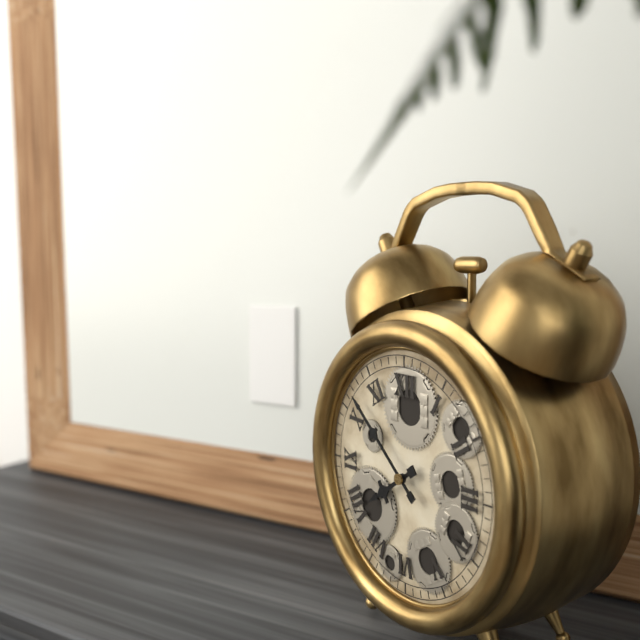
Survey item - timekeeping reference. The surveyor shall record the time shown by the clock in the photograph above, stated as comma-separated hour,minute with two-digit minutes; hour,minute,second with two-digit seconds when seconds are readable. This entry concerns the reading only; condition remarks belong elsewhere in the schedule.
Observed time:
7,52
